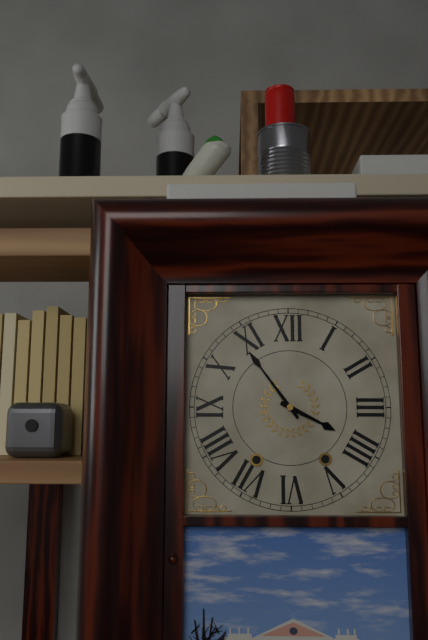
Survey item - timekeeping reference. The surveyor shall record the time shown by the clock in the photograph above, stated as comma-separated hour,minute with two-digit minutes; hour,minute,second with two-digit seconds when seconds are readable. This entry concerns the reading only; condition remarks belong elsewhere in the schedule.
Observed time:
3,54
